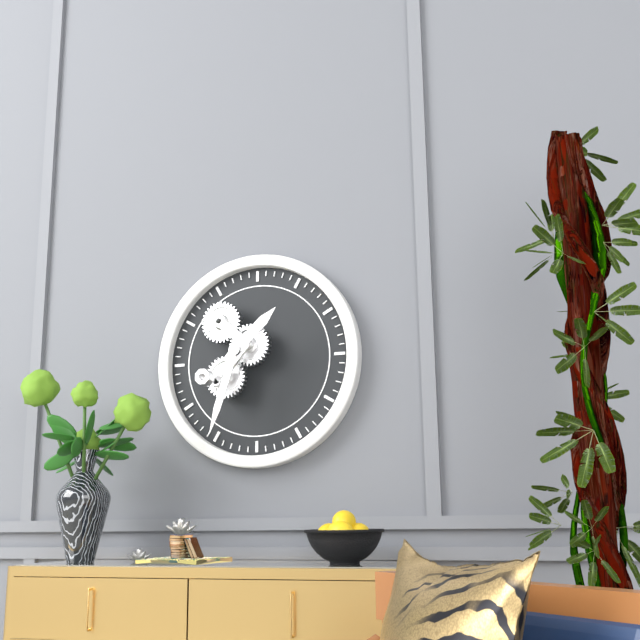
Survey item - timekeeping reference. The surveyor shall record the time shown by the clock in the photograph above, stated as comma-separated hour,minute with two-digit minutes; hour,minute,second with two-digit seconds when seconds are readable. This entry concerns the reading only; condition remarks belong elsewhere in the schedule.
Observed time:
1,33
